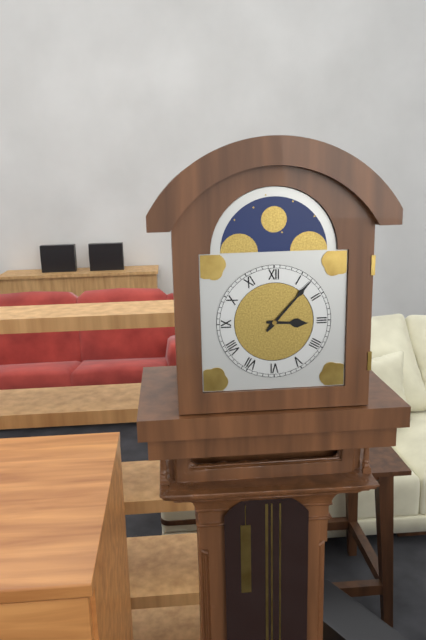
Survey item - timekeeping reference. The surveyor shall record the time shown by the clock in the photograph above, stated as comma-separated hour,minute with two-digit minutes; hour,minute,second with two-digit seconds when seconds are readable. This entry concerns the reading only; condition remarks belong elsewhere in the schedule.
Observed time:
3,07
